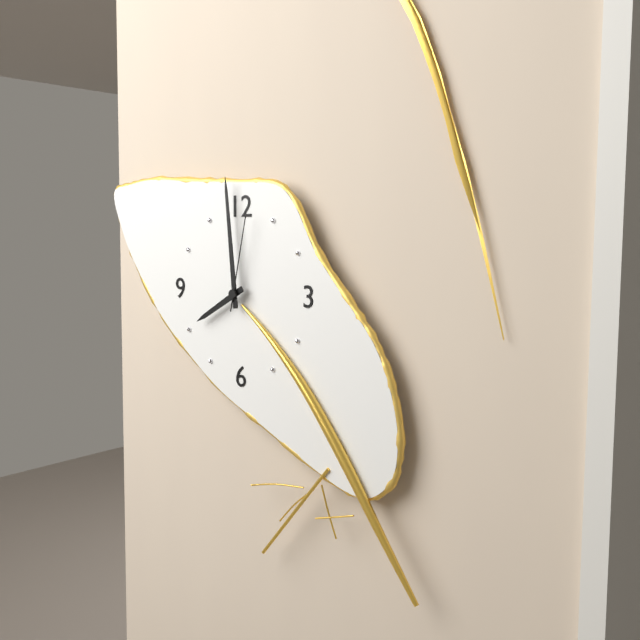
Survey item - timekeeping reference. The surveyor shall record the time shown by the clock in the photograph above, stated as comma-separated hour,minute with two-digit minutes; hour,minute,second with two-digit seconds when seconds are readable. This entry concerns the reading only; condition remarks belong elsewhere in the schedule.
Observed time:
7,59,02
